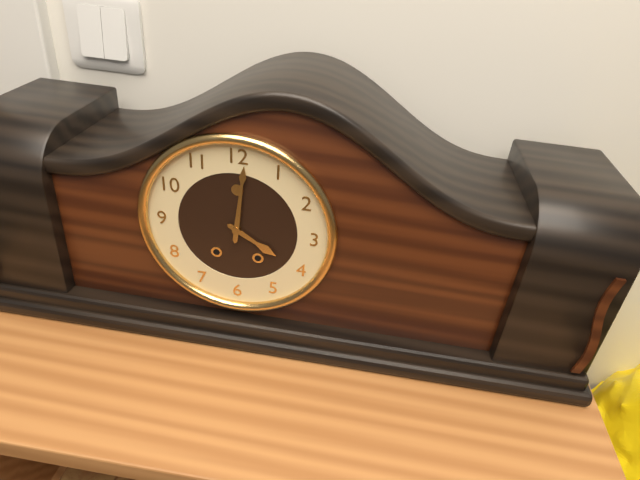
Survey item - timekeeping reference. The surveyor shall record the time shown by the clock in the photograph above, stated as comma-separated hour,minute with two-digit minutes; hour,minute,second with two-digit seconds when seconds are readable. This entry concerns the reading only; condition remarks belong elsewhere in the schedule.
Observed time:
4,01
